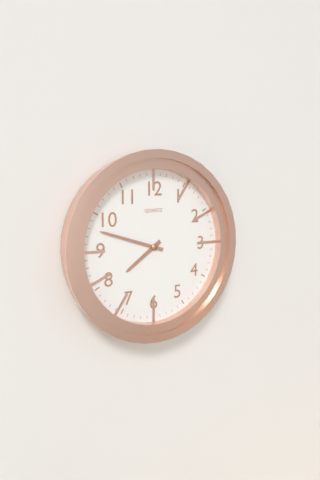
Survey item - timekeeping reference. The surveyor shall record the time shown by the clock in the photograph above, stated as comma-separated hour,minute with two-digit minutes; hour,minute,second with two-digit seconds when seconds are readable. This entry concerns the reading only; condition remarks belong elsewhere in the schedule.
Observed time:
7,48
